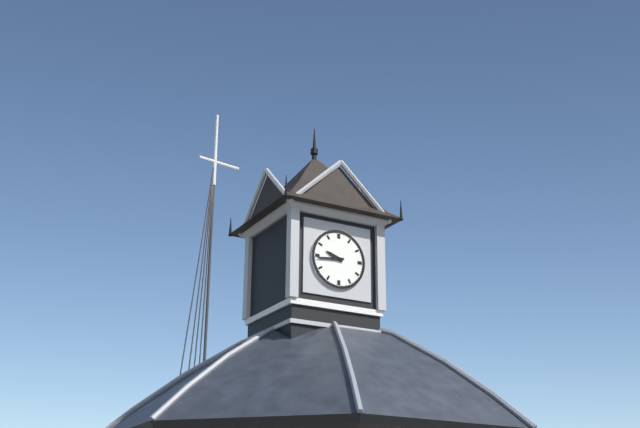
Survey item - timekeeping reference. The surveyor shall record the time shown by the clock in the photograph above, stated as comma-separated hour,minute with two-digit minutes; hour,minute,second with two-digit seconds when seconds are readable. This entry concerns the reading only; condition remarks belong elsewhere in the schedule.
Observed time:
9,44
